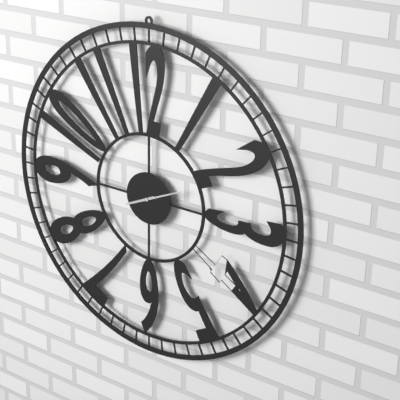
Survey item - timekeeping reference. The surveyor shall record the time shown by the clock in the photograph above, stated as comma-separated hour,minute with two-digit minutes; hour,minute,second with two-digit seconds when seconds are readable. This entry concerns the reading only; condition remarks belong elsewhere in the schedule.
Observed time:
8,11
